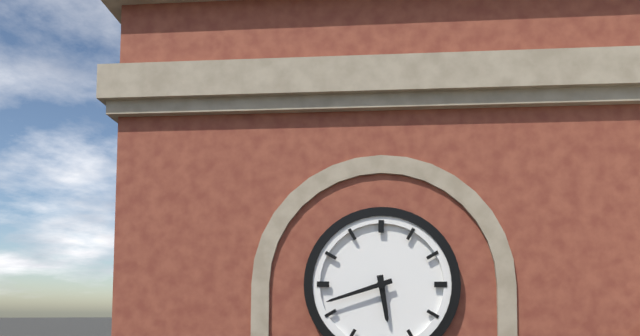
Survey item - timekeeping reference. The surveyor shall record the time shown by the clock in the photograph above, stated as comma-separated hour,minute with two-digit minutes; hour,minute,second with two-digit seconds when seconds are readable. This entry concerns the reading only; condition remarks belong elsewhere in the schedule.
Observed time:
5,42
